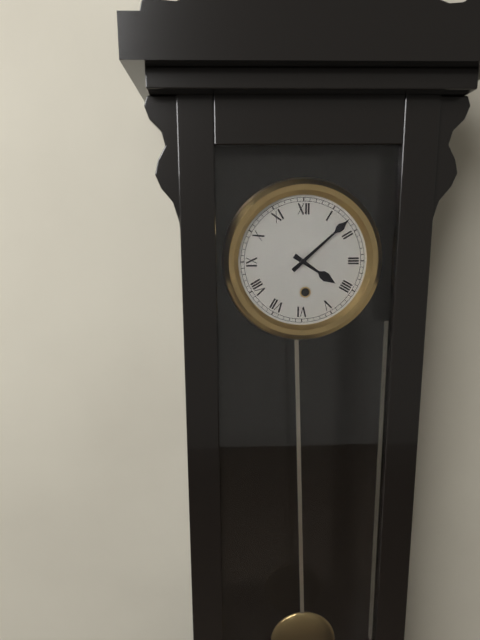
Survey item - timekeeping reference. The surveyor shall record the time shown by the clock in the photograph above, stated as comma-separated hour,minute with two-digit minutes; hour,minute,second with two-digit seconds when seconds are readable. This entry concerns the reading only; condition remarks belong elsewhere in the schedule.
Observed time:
4,08
